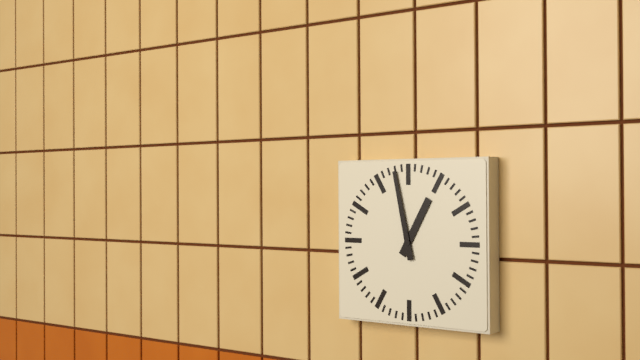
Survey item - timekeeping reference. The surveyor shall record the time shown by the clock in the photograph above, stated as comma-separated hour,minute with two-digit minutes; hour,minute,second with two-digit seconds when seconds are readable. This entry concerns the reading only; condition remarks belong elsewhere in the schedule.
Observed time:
12,58
